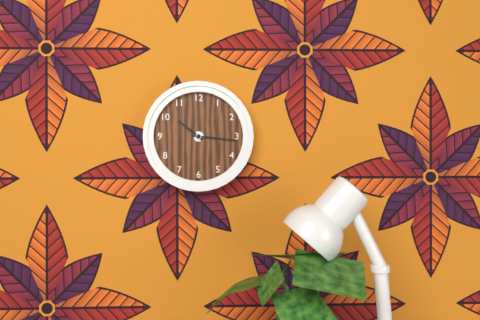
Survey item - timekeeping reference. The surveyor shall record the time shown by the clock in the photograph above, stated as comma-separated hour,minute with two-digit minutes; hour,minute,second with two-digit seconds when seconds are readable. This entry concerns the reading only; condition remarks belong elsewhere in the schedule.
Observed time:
10,16
